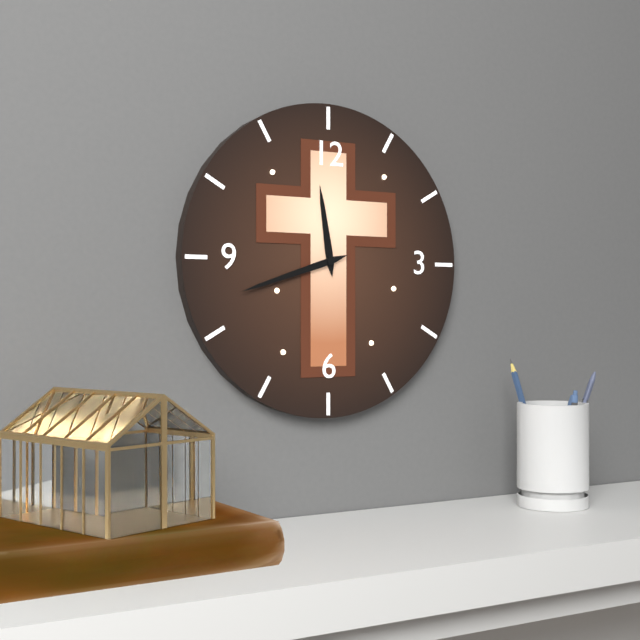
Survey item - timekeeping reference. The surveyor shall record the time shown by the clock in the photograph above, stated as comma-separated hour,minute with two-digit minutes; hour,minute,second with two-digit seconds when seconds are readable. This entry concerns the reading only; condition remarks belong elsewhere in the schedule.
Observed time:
11,42
